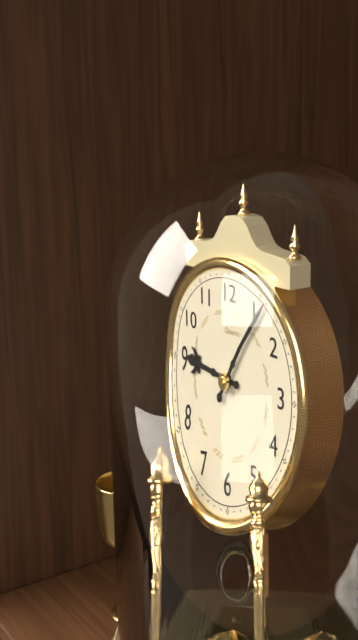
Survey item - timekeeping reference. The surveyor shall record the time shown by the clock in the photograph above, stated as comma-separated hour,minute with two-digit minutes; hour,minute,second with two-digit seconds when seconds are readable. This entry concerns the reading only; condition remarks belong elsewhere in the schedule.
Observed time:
9,06
